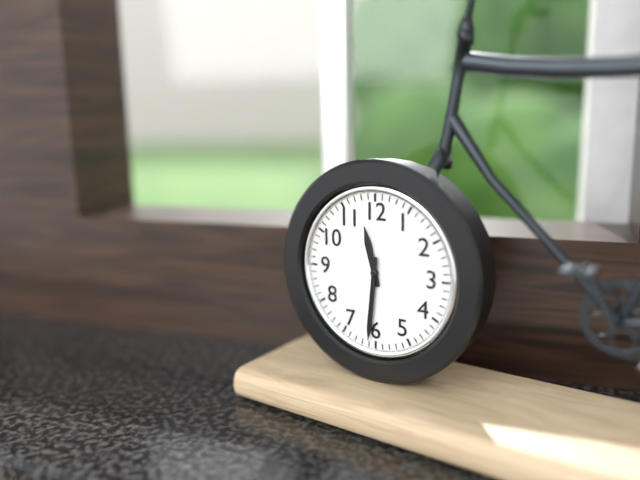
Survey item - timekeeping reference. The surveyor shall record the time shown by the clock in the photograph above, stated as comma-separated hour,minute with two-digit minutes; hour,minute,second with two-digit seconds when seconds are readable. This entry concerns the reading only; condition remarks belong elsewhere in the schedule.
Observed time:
11,31
